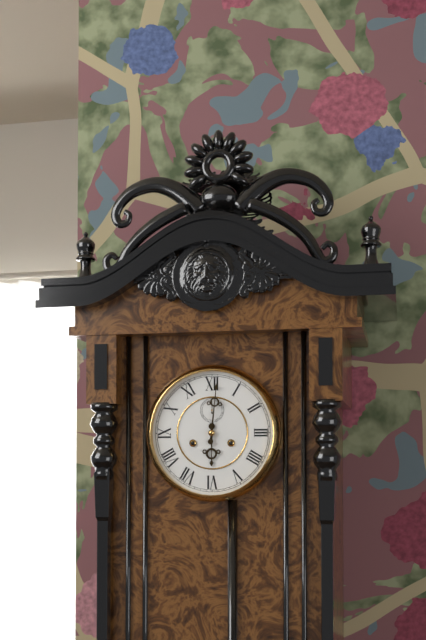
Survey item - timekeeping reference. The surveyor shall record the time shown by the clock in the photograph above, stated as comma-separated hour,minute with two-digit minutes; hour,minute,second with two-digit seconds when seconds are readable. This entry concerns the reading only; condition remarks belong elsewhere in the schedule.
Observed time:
6,01
